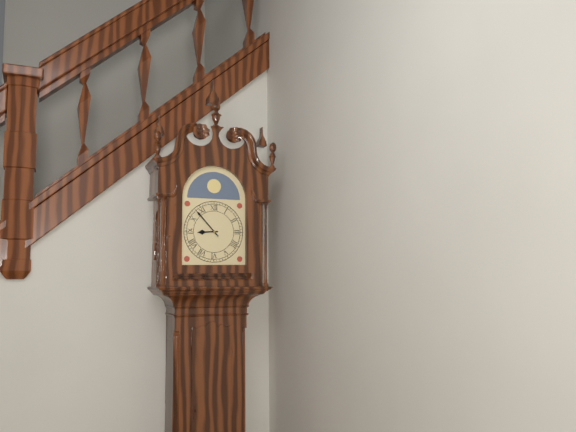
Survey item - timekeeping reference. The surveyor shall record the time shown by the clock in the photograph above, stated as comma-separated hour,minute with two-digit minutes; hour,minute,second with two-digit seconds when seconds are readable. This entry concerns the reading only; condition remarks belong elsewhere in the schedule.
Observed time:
8,53
